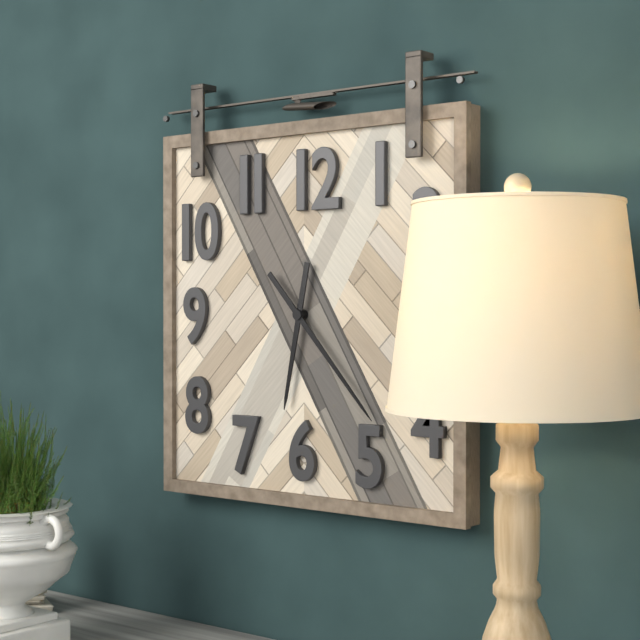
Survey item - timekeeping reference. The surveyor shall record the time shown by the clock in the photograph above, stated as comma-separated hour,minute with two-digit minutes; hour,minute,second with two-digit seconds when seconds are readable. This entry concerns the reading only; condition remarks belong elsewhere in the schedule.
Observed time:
6,23
